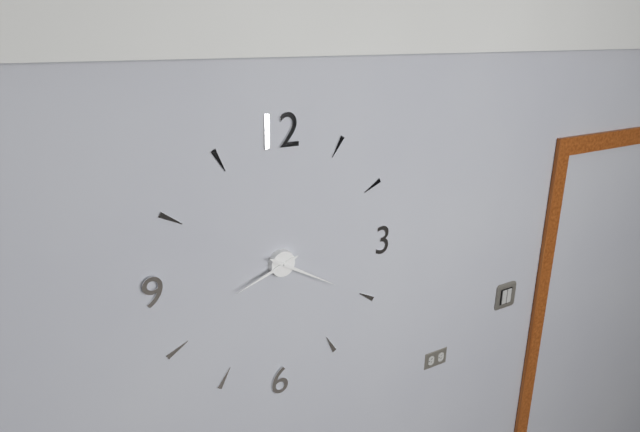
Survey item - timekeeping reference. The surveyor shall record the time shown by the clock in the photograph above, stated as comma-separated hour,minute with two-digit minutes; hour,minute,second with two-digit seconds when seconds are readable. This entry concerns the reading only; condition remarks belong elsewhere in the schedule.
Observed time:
8,20
